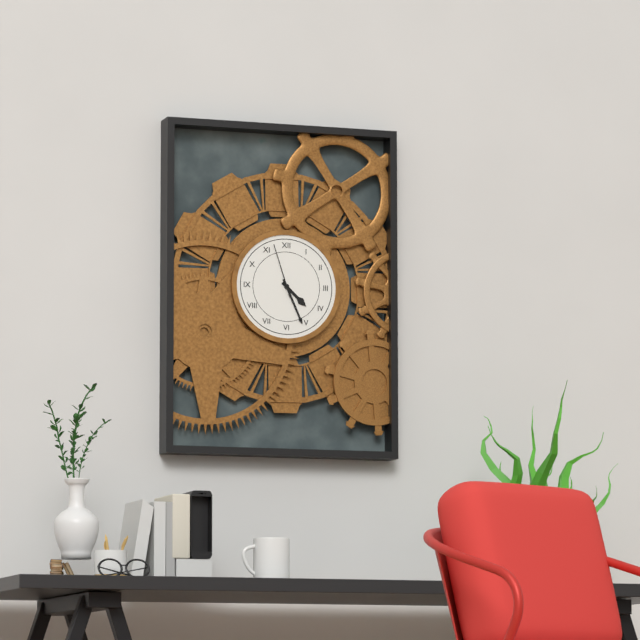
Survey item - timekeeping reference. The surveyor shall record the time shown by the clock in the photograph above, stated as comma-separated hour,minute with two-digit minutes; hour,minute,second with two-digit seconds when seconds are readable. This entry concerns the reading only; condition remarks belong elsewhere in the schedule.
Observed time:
4,26,57
